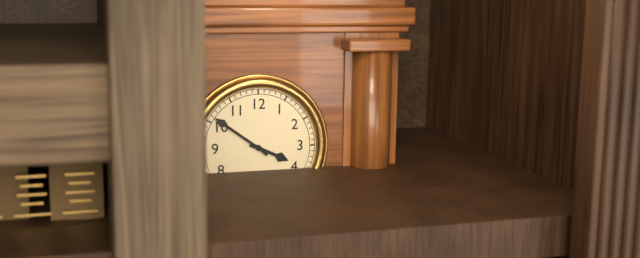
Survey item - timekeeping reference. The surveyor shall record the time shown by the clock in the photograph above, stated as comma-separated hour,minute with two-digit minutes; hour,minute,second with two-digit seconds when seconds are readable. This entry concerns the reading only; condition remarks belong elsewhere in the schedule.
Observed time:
3,51
